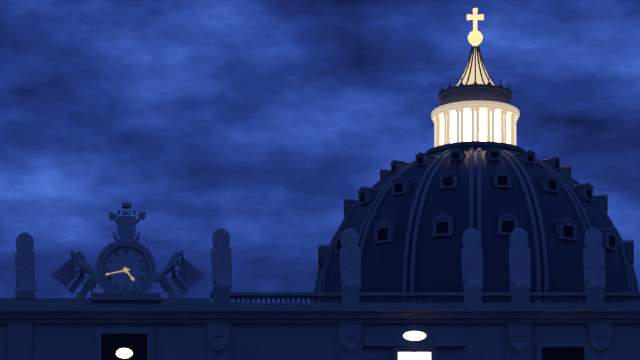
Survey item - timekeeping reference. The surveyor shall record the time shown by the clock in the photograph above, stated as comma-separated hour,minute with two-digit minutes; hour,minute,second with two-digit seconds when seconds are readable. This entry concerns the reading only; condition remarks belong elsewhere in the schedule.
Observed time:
4,43
